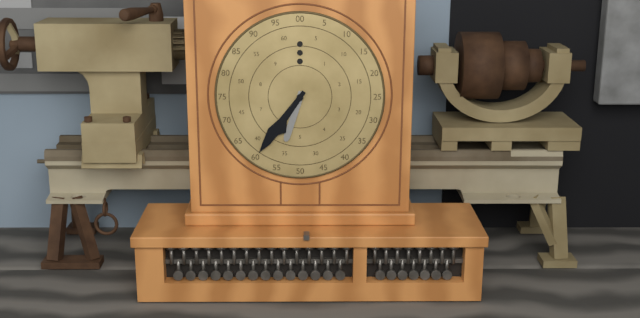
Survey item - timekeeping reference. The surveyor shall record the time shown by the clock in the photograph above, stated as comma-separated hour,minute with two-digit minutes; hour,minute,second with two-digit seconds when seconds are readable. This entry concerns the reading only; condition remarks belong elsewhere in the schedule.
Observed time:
6,36
